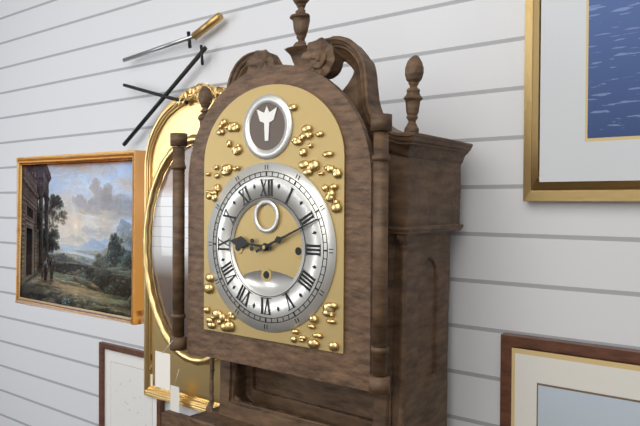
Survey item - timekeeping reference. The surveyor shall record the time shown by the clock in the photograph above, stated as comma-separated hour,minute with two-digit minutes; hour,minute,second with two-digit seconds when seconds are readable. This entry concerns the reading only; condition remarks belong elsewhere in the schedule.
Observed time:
9,11
